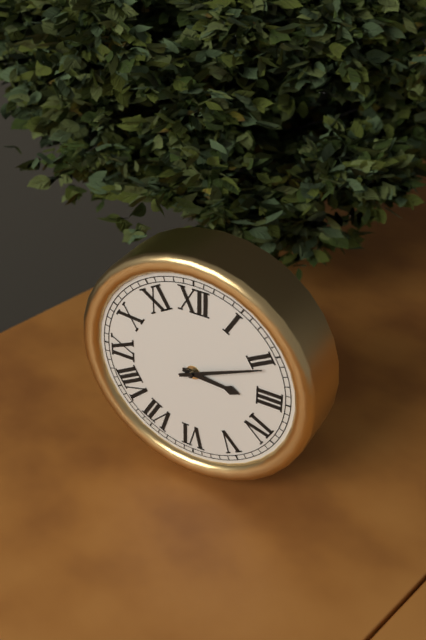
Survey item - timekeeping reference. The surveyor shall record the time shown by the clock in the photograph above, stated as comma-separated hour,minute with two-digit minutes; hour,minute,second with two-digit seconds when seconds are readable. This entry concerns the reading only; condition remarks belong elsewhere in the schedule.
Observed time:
3,11
